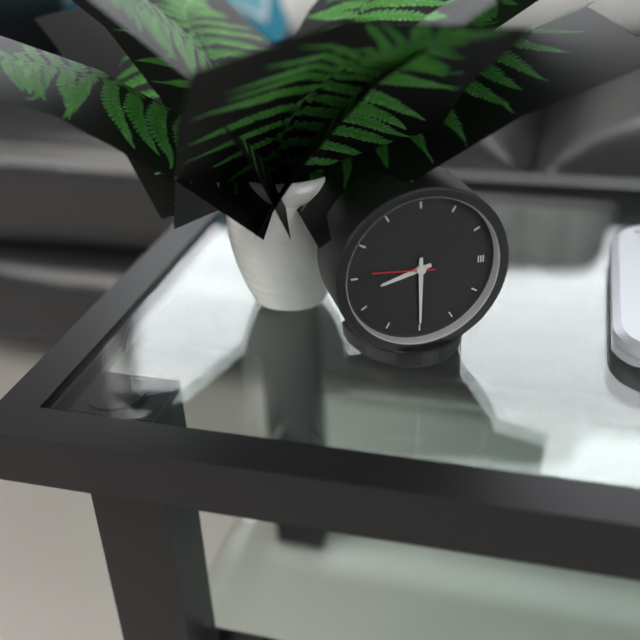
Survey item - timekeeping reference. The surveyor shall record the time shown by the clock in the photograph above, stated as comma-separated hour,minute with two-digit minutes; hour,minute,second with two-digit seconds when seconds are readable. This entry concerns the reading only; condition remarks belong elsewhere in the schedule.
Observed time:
8,30,46
